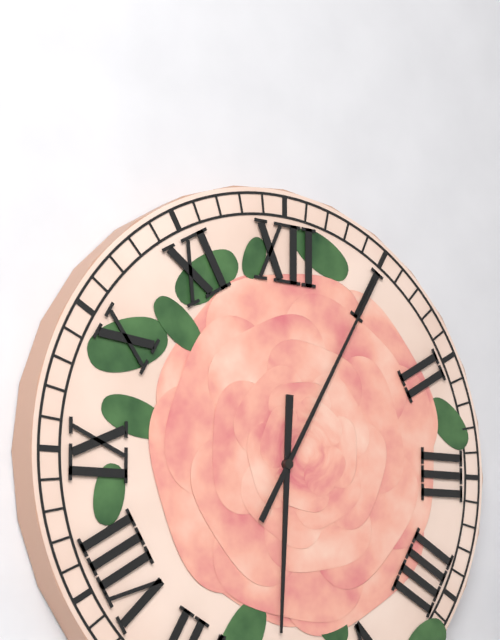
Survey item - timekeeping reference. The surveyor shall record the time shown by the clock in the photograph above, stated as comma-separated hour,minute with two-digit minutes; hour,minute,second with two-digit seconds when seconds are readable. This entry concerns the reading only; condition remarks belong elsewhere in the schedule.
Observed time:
6,05
